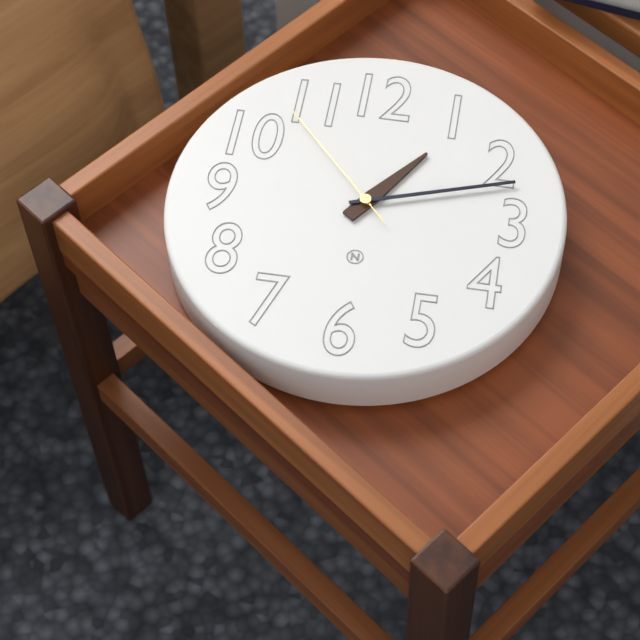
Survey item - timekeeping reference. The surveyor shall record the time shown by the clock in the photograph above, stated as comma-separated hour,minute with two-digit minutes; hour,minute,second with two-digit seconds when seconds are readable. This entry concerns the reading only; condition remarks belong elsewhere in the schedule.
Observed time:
1,12,53
